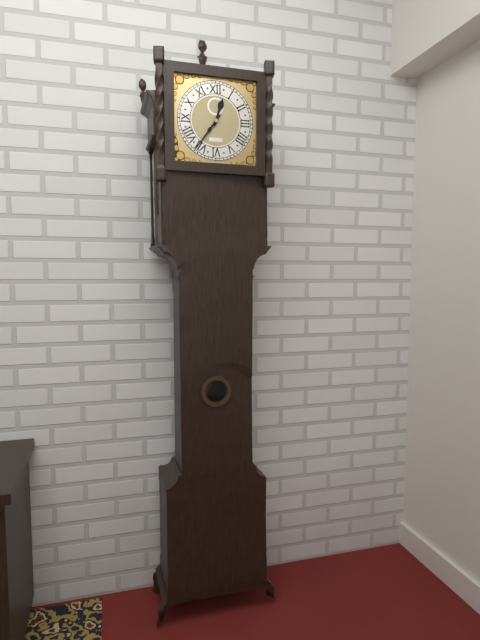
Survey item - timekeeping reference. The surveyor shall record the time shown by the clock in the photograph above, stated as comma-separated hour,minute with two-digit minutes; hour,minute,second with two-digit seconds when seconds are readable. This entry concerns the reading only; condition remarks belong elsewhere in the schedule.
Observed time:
12,36
